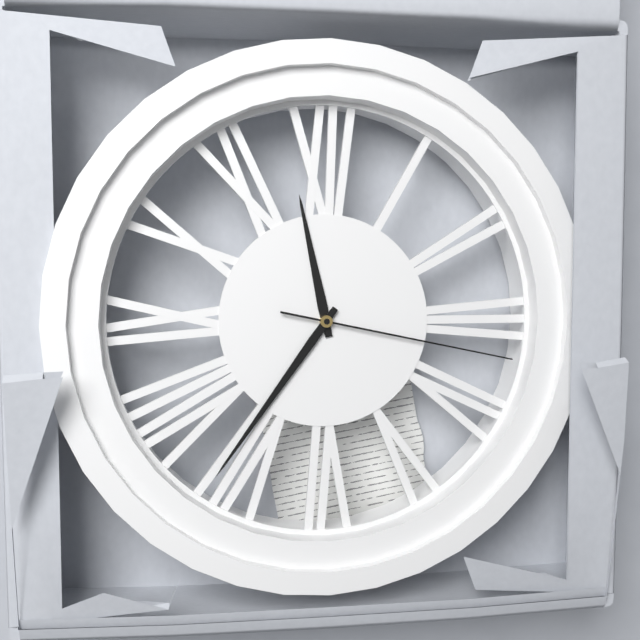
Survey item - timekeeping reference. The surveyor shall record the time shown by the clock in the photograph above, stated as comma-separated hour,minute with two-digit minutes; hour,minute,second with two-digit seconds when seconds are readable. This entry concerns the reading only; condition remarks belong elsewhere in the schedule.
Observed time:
11,36,17
